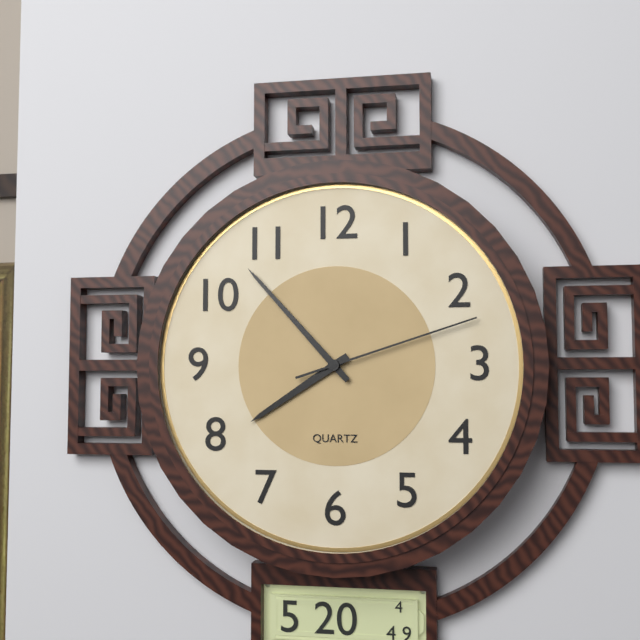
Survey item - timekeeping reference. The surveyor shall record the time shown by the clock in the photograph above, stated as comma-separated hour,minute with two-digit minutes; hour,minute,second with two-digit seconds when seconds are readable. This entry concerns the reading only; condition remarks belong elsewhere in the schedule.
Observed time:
7,53,12
